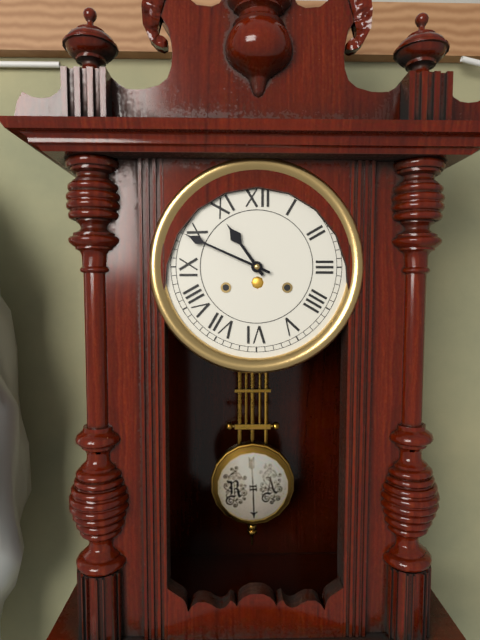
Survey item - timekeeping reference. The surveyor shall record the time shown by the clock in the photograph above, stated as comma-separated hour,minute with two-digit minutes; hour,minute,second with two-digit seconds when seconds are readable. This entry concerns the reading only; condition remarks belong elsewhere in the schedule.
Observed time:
10,49
